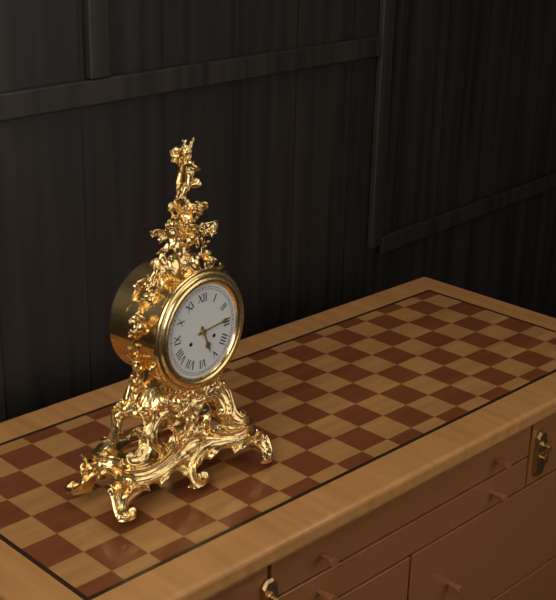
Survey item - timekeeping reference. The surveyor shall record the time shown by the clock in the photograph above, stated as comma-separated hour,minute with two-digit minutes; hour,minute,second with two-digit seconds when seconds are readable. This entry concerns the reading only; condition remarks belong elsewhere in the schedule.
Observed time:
5,14
